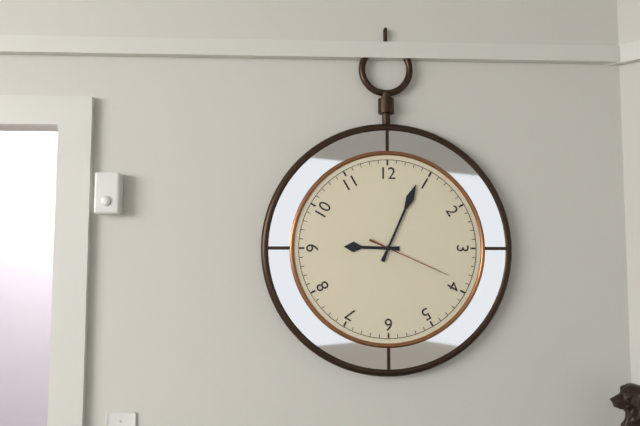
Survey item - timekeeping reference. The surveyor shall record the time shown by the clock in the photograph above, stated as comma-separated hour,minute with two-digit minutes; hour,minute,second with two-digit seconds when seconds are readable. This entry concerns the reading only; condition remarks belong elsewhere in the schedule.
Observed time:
9,04,19
